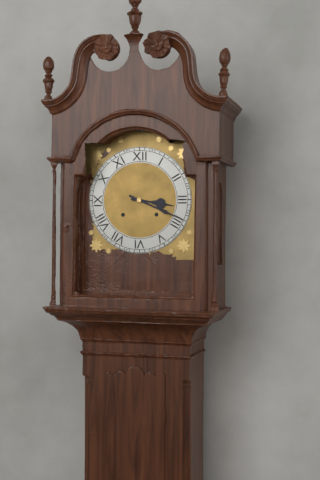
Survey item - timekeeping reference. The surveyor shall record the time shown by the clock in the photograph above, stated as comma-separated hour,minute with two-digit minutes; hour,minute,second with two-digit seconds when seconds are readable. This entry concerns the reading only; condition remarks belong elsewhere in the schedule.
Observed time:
3,19
